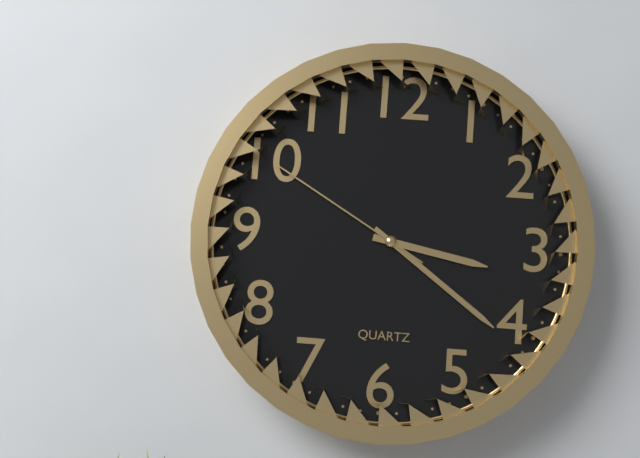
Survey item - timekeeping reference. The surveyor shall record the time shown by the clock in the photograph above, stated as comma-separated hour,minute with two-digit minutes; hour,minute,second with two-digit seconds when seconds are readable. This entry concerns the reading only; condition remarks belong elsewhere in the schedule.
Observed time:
3,21,50
